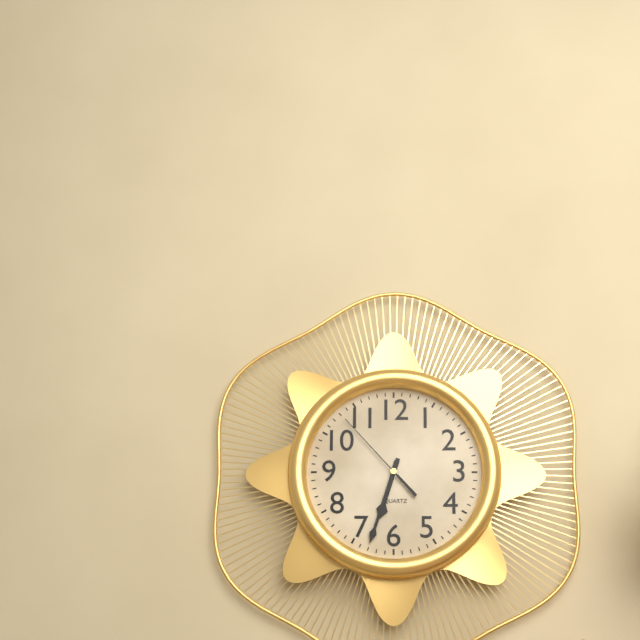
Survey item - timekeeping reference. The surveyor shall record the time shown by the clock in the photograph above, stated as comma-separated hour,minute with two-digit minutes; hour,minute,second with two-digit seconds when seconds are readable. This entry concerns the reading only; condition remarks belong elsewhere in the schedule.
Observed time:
6,33,53
